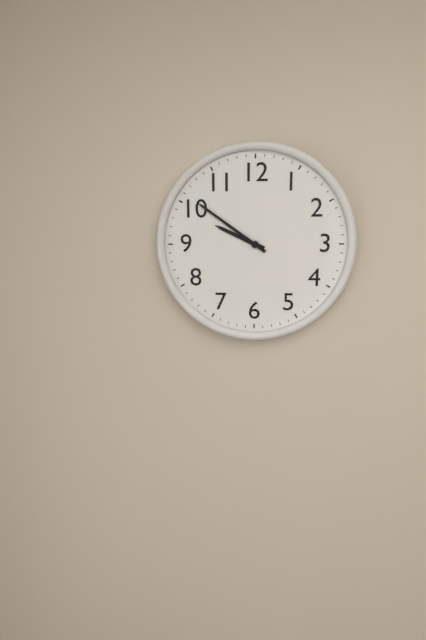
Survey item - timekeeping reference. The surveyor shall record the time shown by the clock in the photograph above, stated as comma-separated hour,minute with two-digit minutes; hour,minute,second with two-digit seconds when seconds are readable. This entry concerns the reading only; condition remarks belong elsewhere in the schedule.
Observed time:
9,51
